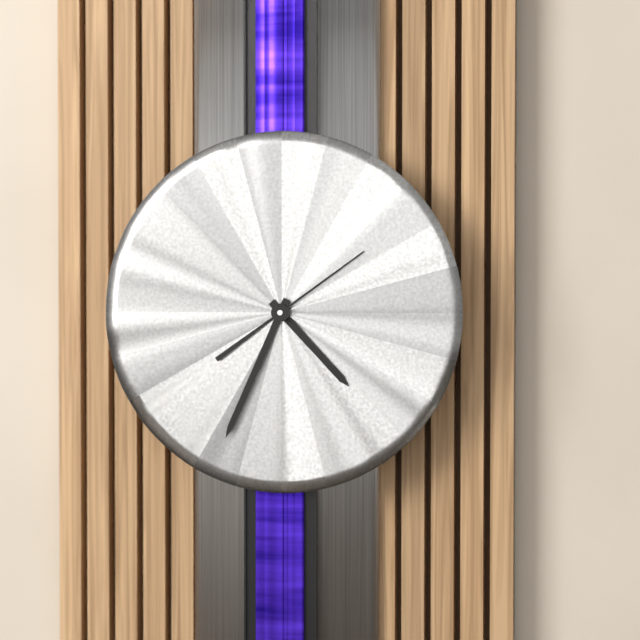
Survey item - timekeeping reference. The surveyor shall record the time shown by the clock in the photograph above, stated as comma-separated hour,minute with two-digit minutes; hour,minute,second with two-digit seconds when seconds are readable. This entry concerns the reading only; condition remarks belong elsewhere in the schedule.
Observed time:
4,34,09
